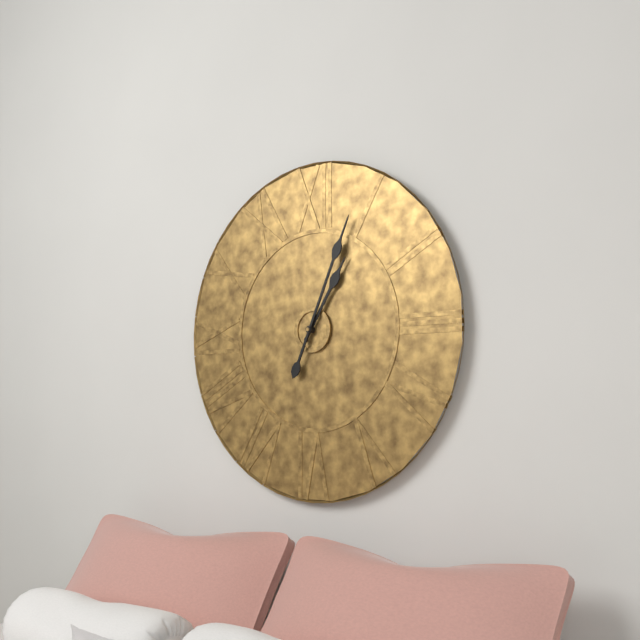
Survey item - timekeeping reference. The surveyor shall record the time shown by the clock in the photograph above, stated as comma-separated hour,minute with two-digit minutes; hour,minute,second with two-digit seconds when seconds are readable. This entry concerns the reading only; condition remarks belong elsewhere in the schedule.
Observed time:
1,04
